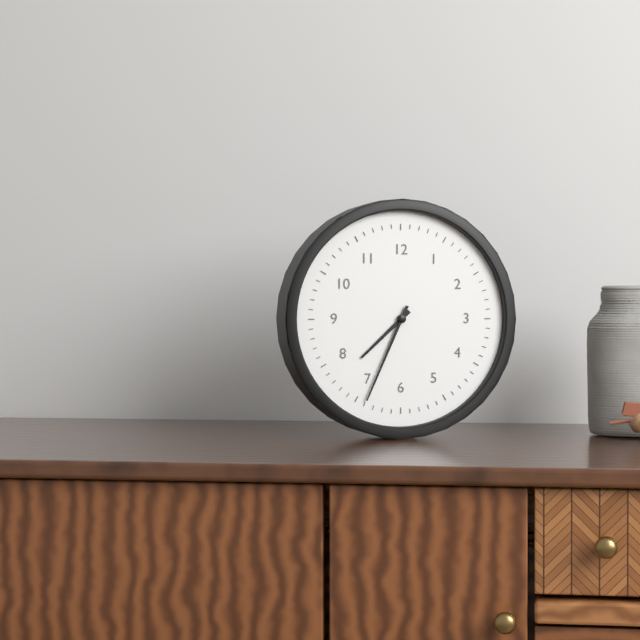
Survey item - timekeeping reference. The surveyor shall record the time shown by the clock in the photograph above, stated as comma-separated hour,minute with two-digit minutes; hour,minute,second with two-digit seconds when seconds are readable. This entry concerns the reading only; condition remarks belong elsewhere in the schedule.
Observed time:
7,34
